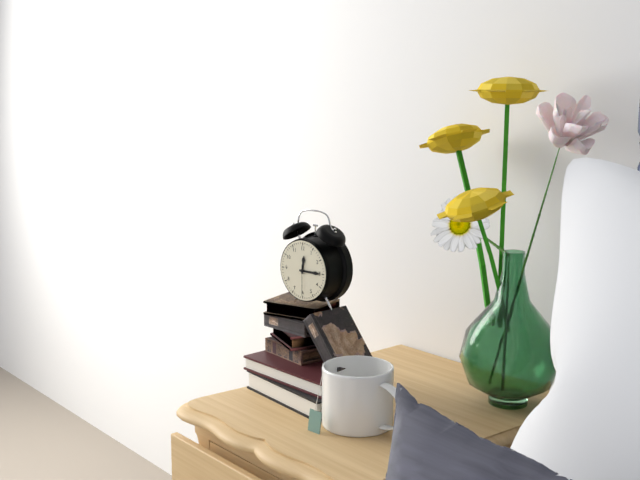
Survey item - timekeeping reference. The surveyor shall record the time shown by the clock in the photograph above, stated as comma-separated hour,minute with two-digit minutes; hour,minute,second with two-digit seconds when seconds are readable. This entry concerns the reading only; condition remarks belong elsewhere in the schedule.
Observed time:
12,15
